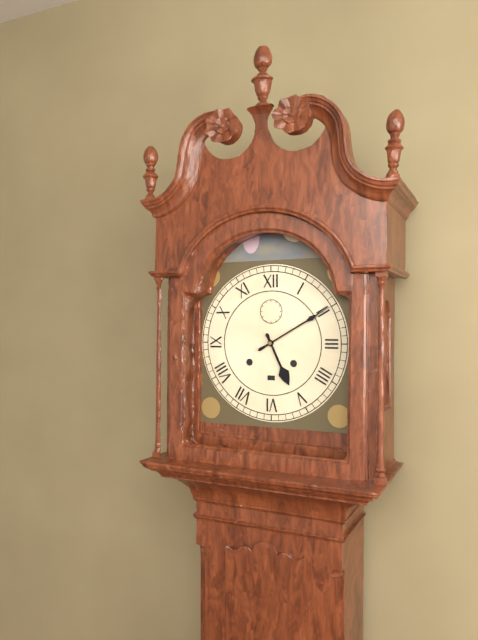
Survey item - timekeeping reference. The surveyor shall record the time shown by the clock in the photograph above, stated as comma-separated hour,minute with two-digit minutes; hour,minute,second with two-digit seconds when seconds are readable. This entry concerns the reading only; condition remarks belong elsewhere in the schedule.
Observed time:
5,10
